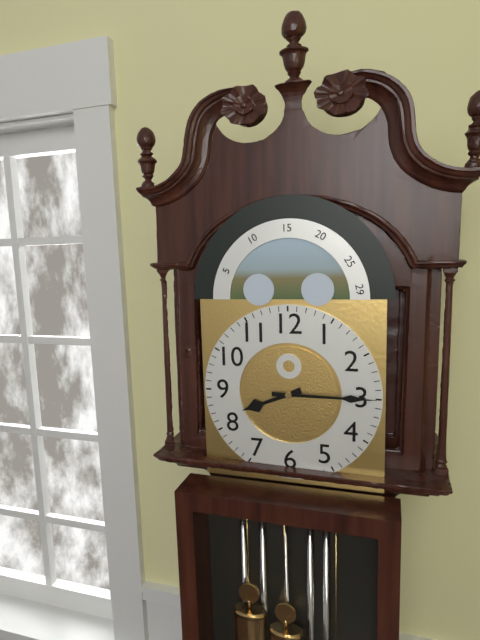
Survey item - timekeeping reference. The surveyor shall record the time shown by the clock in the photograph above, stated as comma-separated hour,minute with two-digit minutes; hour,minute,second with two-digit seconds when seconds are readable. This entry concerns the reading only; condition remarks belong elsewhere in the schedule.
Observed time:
8,15
